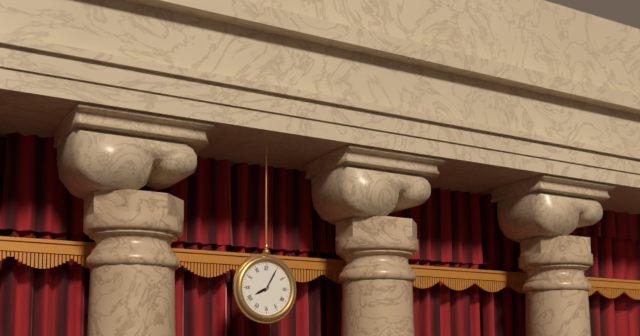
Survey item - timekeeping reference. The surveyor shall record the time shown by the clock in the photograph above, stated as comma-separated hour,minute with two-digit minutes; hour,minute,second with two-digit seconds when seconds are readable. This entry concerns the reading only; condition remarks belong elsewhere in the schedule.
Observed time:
8,05
